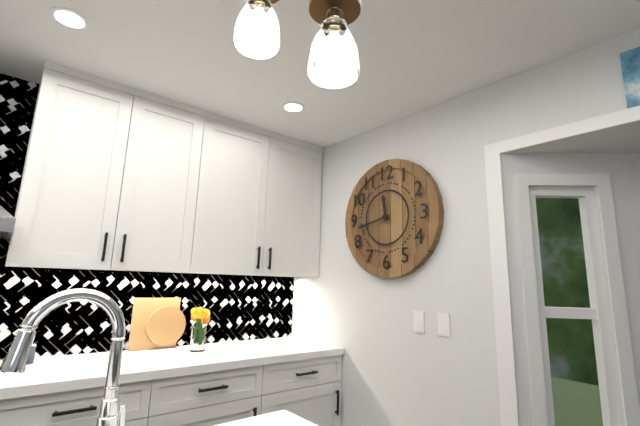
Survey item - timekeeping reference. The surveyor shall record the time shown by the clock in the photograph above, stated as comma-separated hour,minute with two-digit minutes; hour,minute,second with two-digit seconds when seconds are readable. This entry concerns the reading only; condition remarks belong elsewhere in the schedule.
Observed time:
11,43
